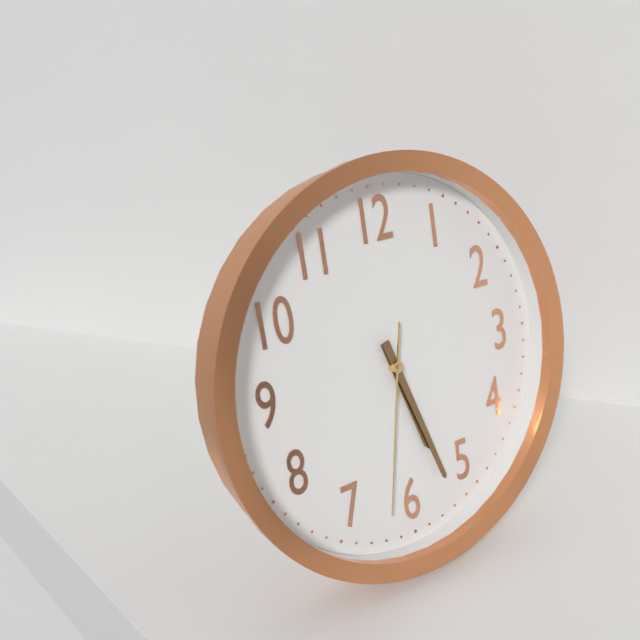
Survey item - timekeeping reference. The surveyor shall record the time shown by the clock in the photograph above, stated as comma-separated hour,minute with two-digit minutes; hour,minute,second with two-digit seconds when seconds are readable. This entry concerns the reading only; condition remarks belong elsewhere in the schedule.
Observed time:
5,27,32
